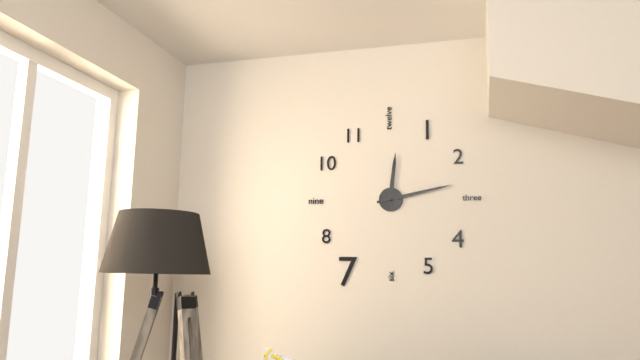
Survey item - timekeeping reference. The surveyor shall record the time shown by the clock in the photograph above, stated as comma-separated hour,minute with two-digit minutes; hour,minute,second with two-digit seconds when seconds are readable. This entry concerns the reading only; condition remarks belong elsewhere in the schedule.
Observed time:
12,13
